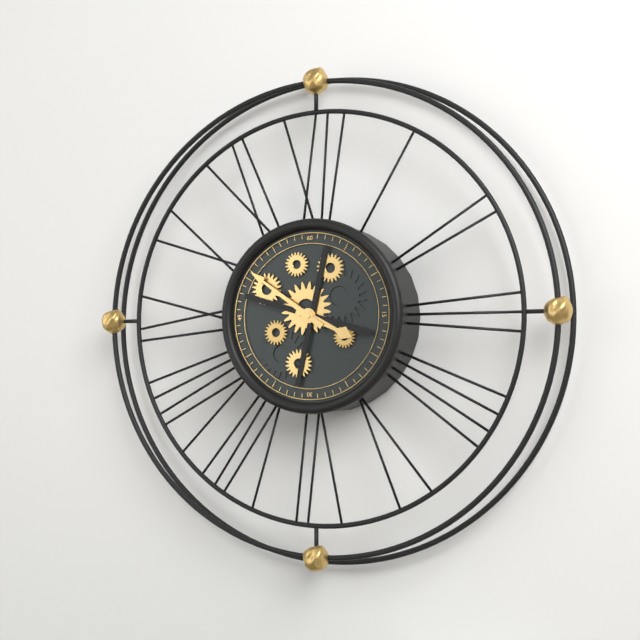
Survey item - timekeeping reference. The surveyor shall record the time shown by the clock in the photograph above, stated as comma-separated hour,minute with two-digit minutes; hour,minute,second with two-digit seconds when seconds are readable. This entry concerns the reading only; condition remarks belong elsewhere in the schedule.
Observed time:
3,51
